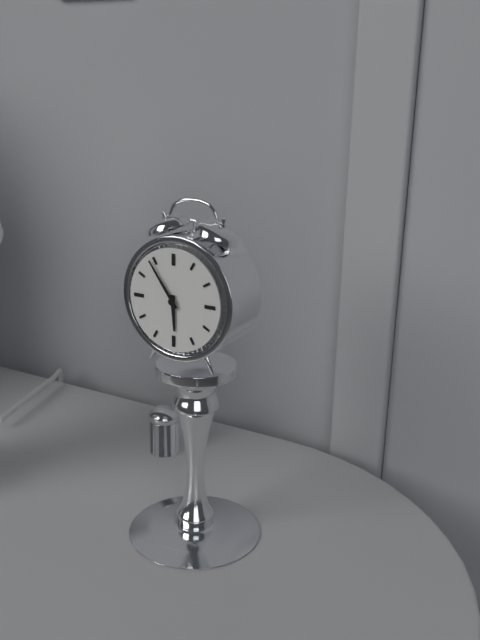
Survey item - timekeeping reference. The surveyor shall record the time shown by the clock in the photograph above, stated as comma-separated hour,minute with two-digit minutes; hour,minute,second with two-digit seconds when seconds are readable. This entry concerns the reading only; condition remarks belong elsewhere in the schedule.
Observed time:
5,54
